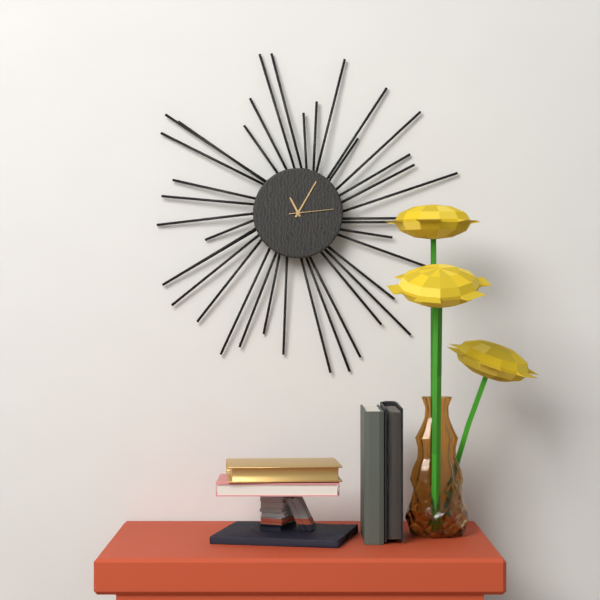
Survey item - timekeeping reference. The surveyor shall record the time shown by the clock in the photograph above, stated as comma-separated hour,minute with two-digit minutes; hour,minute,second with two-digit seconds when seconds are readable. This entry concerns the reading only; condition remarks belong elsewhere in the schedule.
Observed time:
11,05
